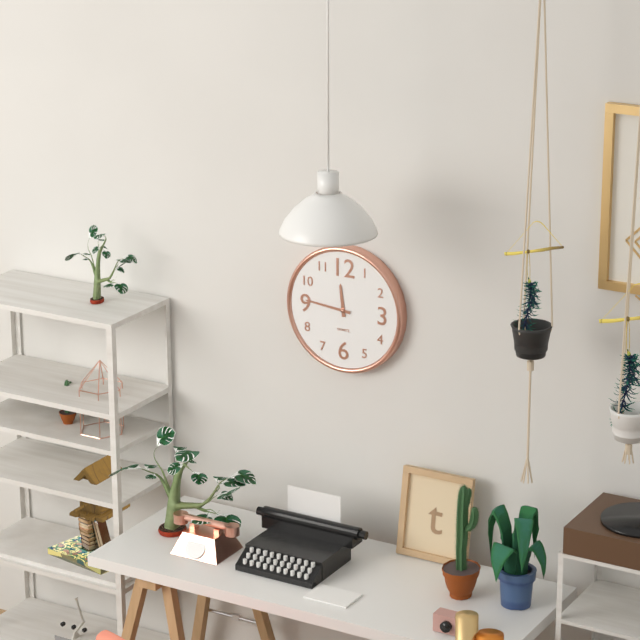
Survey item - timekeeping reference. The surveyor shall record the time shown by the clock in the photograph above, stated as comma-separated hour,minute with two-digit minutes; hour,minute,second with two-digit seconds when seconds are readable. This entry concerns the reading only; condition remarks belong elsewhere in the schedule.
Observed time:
11,46
